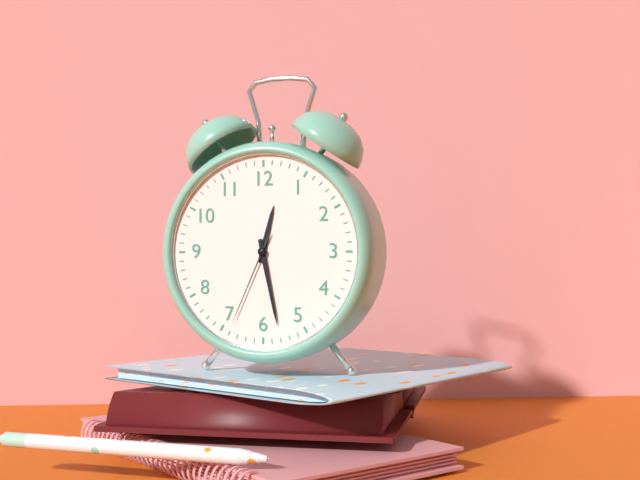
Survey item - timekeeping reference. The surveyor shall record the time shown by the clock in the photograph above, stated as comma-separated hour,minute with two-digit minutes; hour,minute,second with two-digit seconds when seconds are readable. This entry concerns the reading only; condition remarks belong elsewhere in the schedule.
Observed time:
12,28,34
